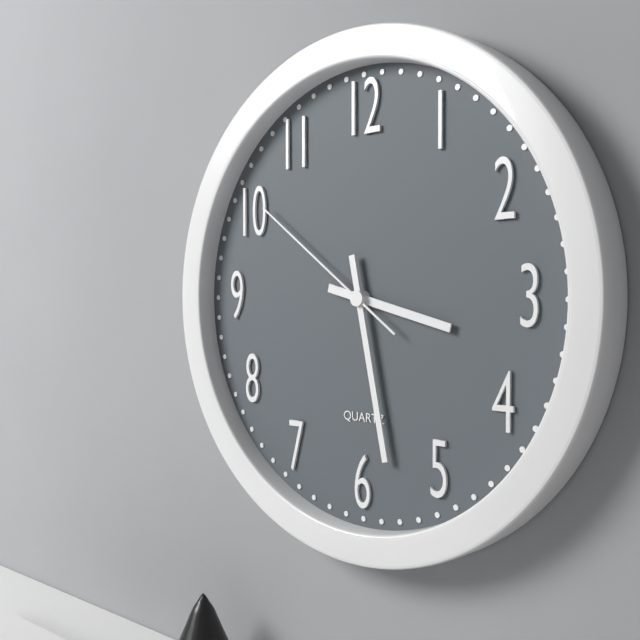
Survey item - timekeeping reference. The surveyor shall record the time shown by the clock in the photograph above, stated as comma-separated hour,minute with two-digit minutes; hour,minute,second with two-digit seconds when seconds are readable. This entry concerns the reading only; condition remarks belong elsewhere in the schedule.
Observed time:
3,28,51
